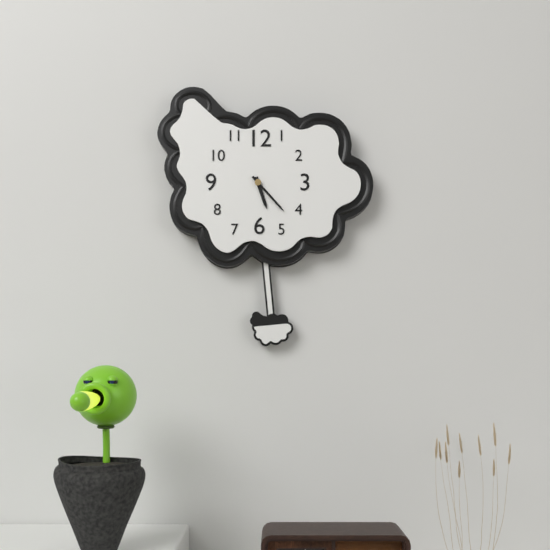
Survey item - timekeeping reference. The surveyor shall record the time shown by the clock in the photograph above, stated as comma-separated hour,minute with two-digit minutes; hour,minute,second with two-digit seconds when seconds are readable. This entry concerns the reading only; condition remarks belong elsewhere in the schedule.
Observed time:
5,23
